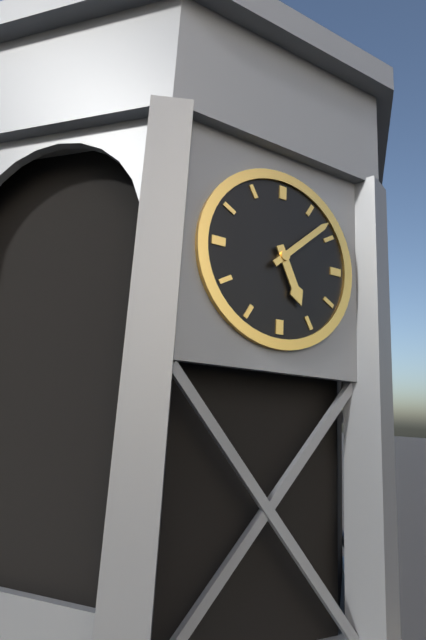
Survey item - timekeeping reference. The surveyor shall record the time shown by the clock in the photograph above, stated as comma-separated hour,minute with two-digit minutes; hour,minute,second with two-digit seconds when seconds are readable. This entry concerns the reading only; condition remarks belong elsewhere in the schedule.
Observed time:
5,08
